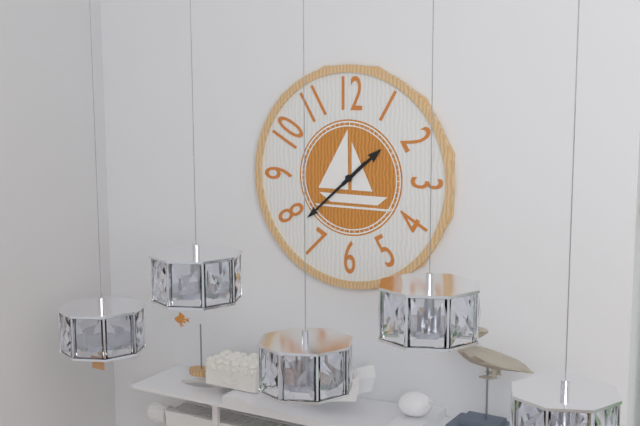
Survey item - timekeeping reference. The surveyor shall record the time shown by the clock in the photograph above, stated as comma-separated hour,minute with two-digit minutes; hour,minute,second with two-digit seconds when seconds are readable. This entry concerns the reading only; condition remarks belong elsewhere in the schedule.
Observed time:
1,38
